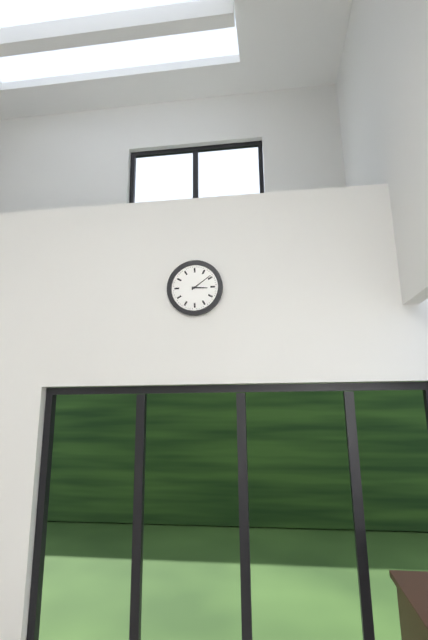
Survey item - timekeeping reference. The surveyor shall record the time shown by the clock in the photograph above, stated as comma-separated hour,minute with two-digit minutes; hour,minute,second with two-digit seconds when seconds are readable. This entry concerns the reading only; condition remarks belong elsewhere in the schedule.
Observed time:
3,09
